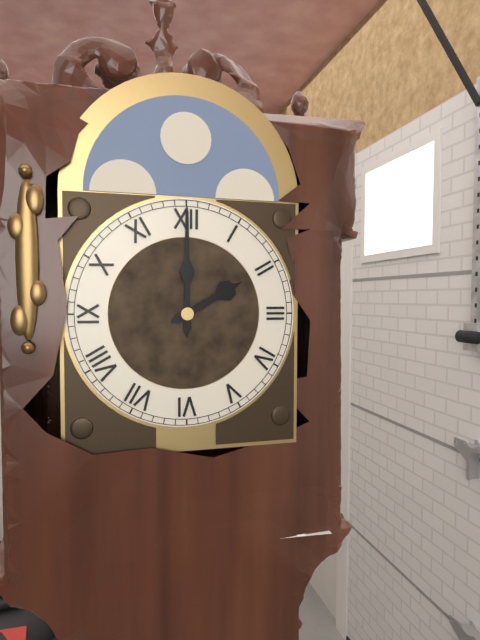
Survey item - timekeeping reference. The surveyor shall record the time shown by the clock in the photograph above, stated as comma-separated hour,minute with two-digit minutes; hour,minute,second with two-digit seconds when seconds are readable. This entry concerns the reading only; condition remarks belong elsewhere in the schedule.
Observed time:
2,00
